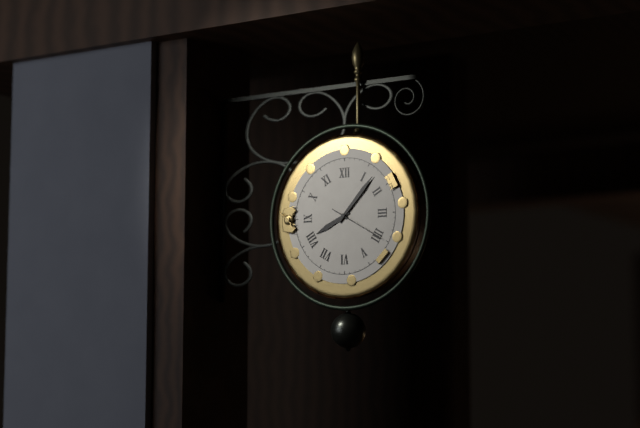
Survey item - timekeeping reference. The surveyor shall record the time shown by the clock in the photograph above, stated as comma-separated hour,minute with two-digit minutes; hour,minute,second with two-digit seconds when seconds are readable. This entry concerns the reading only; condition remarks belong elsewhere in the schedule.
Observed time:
8,07,20
